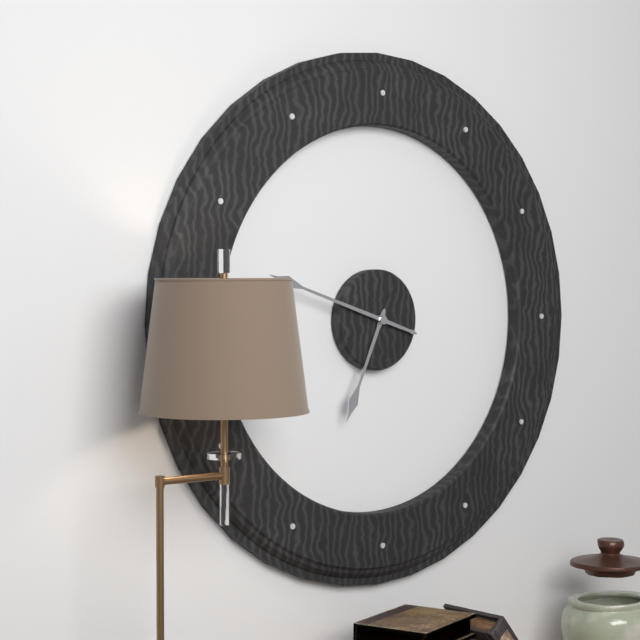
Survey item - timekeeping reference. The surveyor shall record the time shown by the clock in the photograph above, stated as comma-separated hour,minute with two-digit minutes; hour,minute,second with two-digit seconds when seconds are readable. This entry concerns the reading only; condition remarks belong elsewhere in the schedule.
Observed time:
6,48
